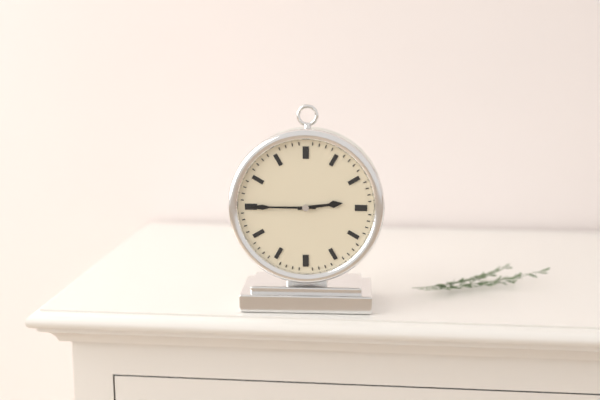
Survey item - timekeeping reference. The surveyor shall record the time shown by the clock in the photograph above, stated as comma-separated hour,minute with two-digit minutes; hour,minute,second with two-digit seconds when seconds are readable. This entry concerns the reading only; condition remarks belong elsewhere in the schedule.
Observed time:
2,45
